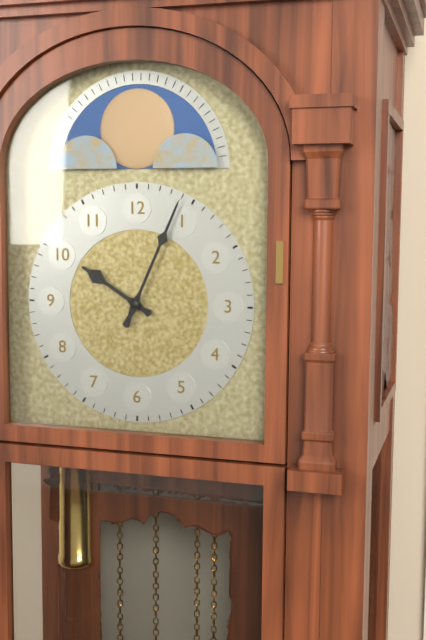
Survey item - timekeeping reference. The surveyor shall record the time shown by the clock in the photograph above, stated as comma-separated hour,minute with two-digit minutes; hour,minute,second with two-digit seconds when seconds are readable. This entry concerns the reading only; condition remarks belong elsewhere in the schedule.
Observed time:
10,04
